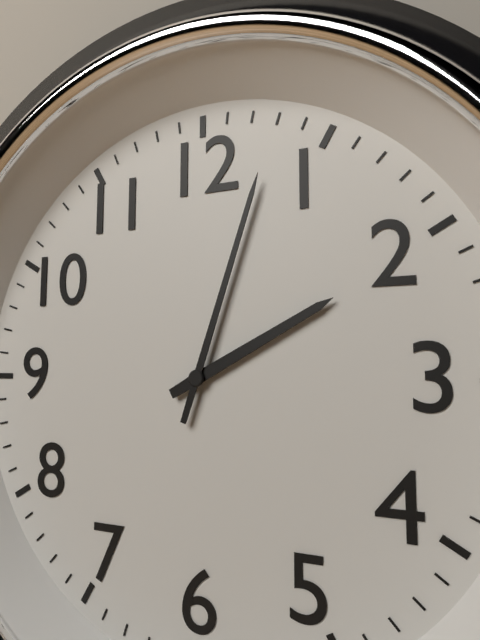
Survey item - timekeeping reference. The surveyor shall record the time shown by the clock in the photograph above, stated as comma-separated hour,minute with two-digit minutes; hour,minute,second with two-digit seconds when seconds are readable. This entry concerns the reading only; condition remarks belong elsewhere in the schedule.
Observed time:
2,03
